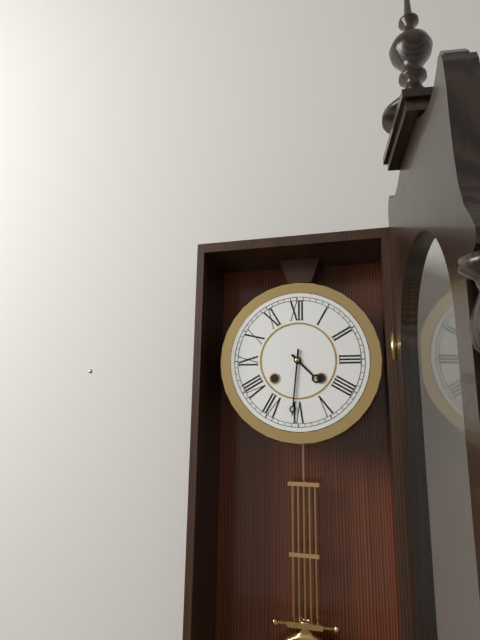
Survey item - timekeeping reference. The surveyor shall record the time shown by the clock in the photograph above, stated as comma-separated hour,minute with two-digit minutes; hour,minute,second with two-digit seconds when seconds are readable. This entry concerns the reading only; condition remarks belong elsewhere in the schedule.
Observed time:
4,31
